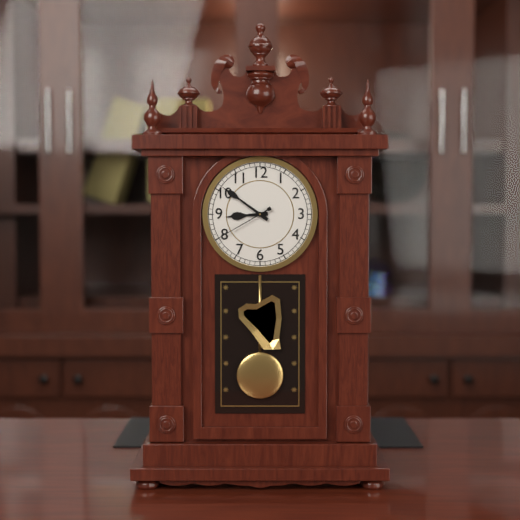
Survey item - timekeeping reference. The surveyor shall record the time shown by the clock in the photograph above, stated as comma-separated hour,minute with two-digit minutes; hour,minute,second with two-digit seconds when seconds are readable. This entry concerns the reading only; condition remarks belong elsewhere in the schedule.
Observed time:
8,51,40
